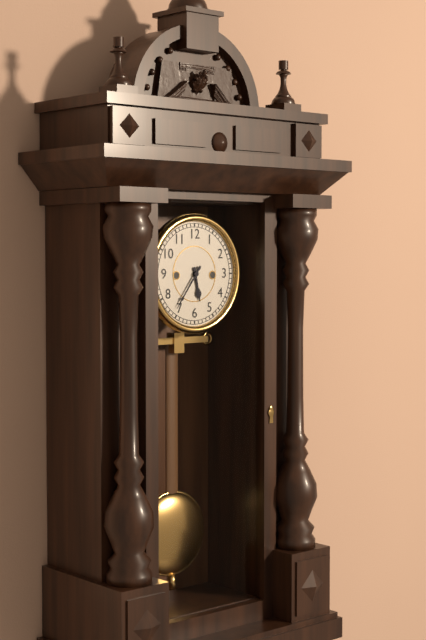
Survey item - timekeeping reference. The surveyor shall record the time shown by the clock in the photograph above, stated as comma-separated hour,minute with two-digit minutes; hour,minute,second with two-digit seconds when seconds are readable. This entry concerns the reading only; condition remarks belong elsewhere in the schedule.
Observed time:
5,36
